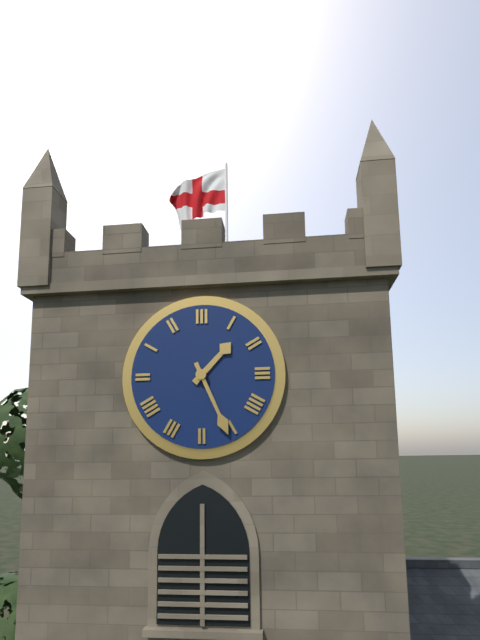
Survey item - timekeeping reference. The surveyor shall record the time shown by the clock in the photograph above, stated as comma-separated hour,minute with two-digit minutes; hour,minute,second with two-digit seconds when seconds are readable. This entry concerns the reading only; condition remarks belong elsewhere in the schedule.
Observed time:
1,26
